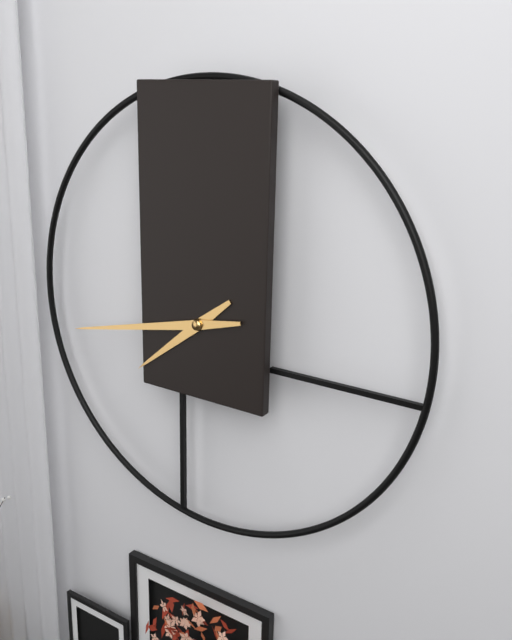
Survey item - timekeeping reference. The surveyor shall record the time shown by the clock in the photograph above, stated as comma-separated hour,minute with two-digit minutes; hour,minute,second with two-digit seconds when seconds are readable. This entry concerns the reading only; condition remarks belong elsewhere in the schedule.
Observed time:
7,43
